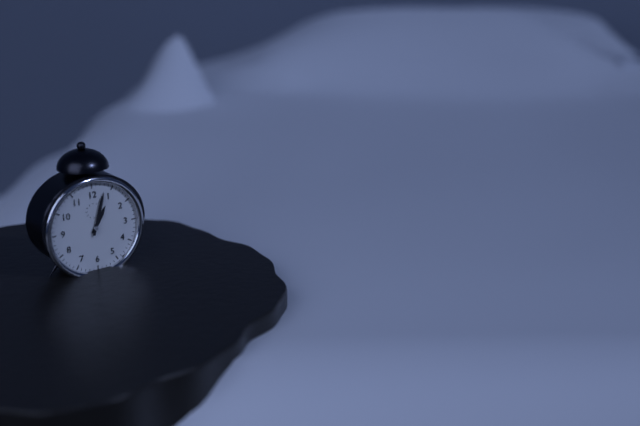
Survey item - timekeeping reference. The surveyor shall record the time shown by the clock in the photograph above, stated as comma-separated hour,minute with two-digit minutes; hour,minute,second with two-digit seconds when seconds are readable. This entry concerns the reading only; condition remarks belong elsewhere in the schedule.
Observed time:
1,03
